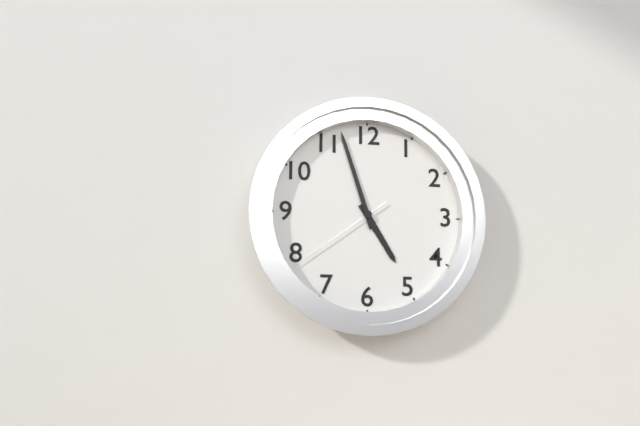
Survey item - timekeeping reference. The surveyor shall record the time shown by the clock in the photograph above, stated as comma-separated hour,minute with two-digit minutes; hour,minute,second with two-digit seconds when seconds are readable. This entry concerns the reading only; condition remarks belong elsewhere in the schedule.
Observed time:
4,57,39
